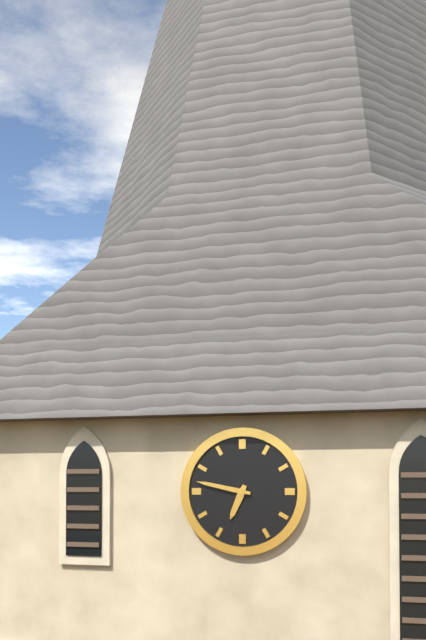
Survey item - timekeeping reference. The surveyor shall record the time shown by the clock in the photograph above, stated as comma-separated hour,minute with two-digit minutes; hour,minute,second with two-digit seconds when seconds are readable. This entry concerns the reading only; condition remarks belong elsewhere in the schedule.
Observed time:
6,47
